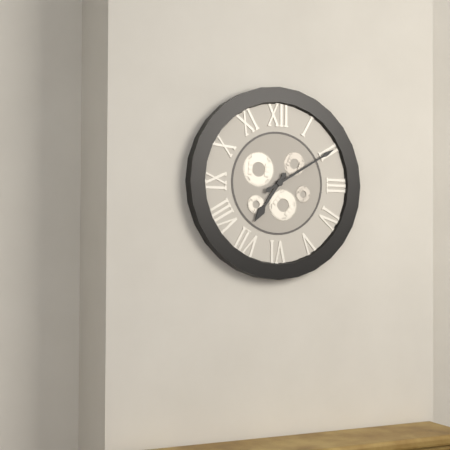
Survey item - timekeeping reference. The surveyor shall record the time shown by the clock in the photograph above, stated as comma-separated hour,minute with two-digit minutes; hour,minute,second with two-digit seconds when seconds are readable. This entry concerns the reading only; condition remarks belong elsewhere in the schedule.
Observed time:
7,10
